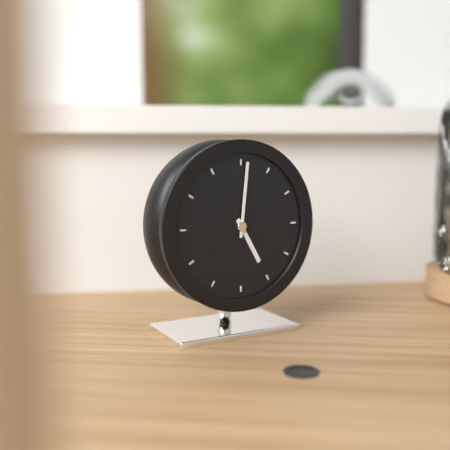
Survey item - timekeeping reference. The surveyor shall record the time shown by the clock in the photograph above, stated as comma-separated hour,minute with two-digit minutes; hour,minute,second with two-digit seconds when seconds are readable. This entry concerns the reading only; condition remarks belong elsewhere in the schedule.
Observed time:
5,01
